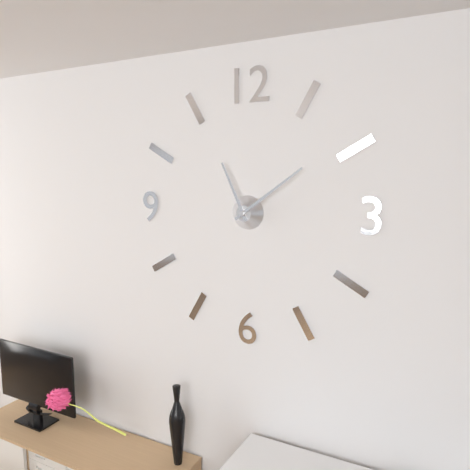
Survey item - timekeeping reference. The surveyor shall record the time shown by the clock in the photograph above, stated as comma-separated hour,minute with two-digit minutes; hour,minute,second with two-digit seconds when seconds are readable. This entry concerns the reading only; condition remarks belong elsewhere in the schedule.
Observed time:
11,09
